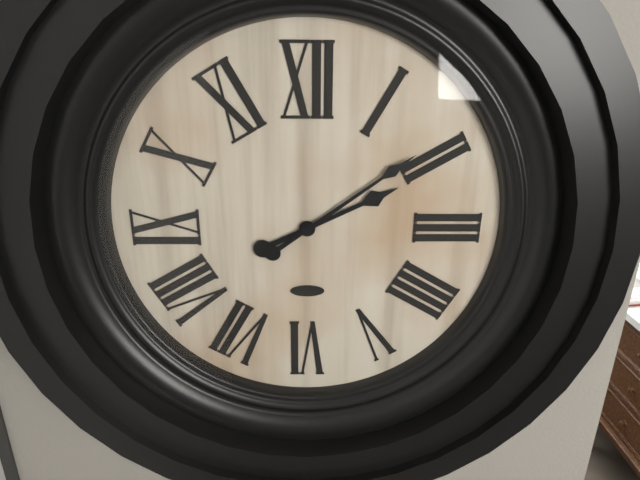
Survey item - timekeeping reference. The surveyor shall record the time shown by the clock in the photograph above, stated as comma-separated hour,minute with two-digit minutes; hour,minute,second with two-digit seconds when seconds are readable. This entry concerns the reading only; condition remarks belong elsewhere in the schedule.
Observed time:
2,09
